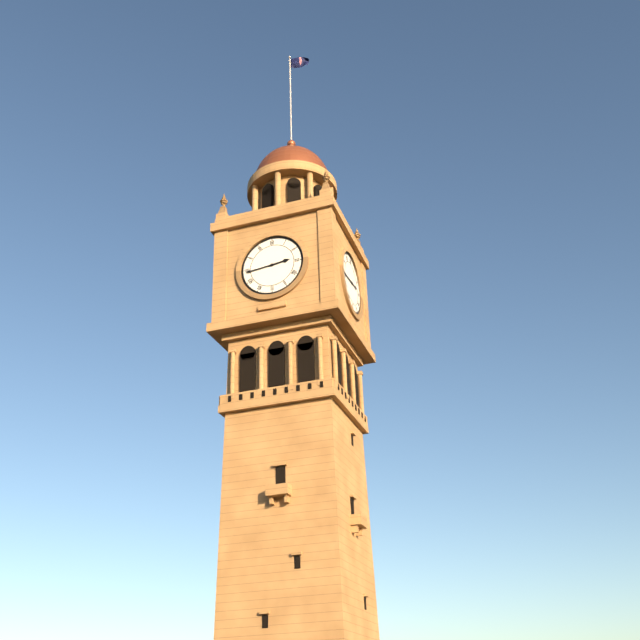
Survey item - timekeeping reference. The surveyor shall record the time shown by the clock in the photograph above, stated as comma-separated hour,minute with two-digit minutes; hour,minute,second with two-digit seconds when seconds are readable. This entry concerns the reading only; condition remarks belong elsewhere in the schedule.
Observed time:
2,44
